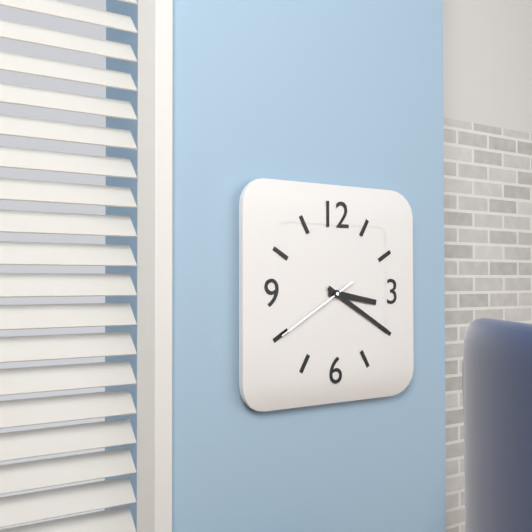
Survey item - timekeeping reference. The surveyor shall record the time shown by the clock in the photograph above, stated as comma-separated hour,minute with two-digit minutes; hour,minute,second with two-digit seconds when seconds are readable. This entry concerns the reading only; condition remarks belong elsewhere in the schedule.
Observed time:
3,20,40
